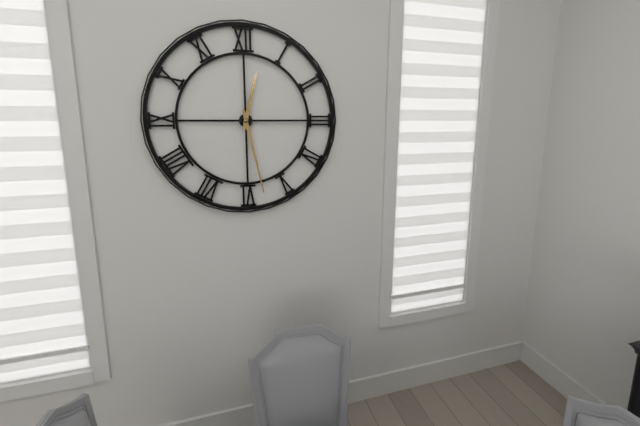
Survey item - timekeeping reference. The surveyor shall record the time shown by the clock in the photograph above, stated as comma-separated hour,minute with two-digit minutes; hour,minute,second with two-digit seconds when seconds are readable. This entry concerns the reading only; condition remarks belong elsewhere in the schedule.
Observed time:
12,28
